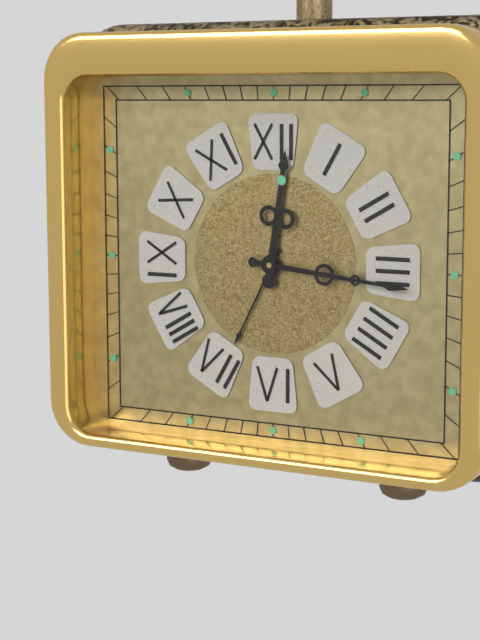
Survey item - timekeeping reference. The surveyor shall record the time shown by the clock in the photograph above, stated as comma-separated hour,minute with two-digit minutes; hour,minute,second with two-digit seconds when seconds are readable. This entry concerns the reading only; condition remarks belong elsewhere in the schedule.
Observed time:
12,16
